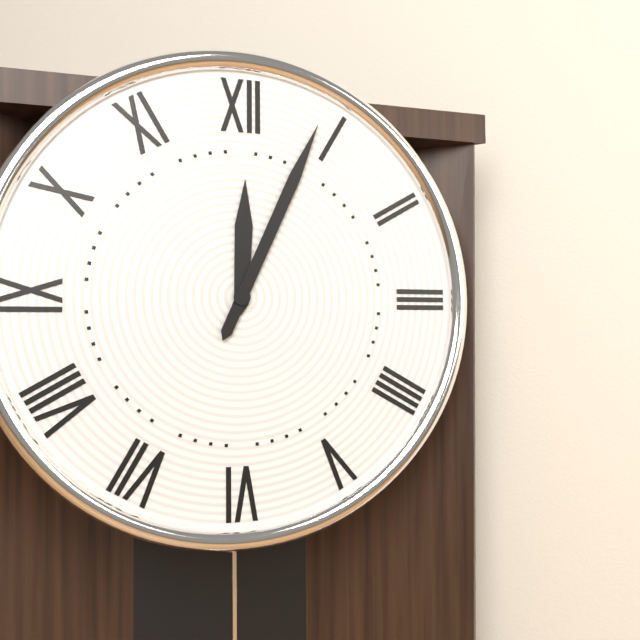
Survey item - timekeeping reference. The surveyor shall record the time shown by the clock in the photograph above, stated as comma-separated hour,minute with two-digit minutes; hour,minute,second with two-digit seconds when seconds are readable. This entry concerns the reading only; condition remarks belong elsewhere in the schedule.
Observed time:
12,04
